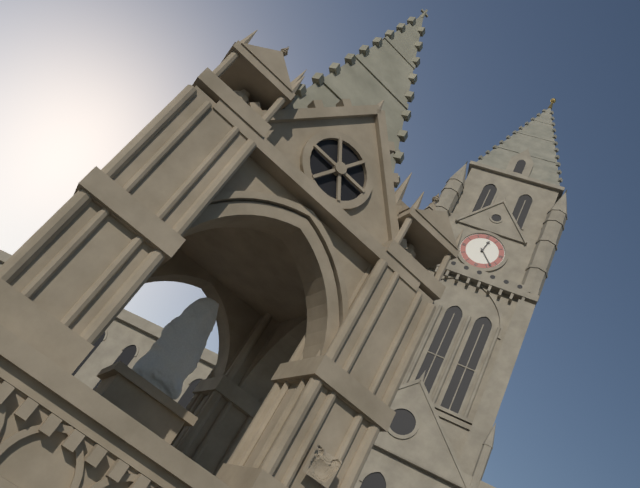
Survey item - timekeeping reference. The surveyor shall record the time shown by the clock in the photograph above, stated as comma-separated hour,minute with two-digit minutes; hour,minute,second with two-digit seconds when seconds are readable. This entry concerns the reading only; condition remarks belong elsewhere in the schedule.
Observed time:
12,23
